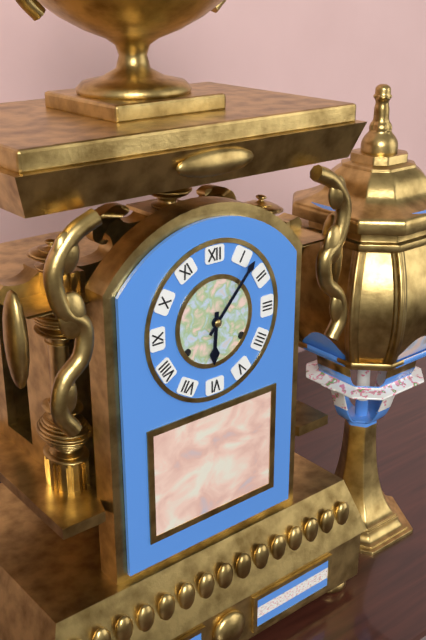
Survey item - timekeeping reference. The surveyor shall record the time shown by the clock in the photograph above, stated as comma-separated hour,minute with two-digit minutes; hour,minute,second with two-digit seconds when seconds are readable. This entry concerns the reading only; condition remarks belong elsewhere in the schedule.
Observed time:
6,07
